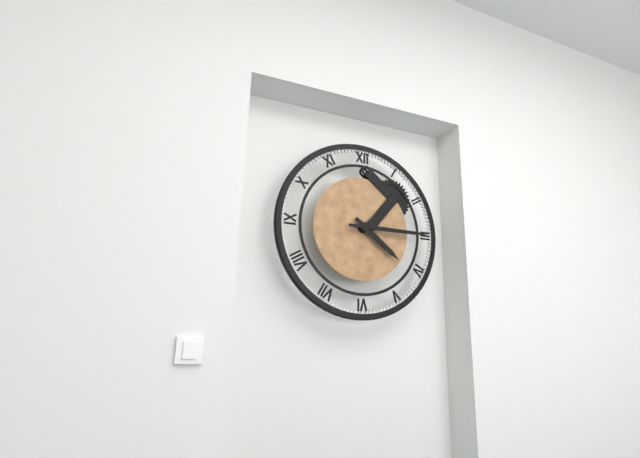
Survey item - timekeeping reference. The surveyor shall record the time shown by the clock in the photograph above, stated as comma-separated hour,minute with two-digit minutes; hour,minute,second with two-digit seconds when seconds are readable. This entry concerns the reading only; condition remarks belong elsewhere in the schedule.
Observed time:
4,15
